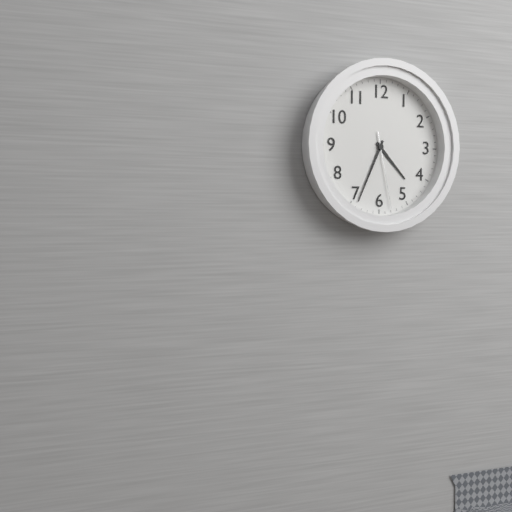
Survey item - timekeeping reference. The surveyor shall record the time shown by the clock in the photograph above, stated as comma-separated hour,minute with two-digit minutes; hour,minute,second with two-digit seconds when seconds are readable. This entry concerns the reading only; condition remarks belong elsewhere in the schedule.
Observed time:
4,34,28
